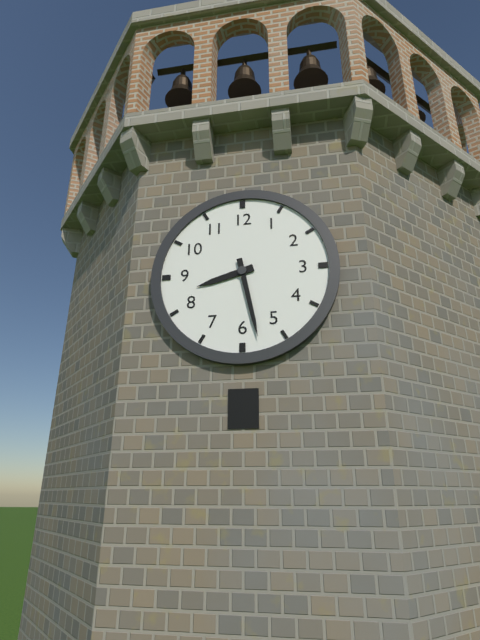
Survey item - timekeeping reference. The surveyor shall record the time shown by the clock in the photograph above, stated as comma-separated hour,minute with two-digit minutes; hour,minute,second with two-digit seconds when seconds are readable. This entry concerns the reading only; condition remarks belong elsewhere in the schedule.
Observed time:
8,28
